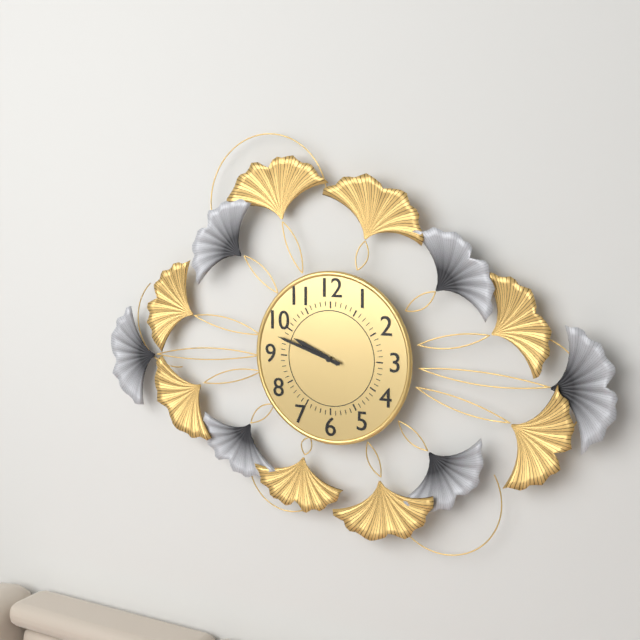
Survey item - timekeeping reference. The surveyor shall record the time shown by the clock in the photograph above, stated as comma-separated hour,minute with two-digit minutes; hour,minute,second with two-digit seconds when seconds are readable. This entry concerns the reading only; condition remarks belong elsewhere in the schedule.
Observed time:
9,48
